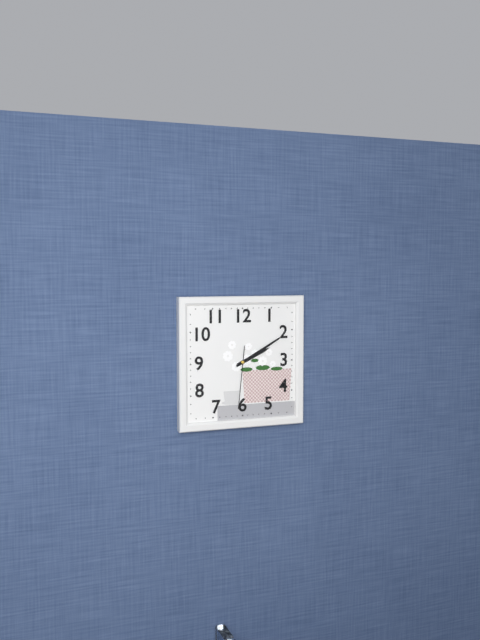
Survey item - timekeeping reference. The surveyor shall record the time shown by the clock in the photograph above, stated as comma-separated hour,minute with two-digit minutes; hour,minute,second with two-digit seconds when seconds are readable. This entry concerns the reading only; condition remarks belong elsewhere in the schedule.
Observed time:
2,10,31
